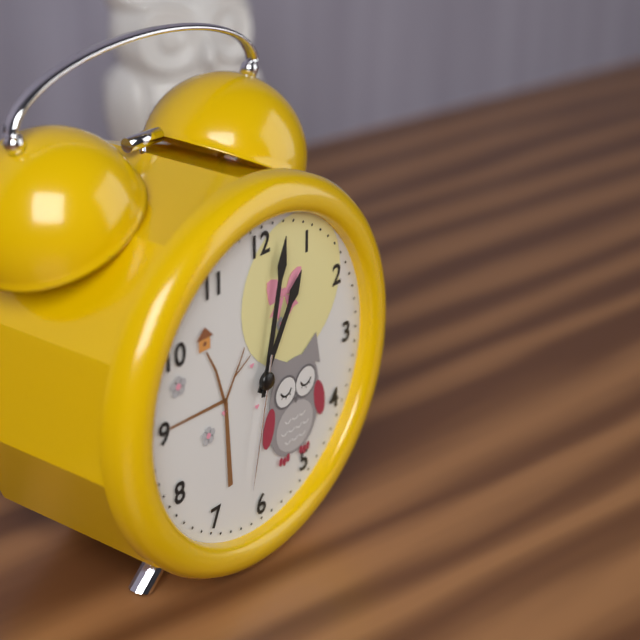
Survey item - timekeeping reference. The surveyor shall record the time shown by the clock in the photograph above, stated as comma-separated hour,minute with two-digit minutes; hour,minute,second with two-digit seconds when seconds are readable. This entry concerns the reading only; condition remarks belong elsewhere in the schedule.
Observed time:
1,02,32
